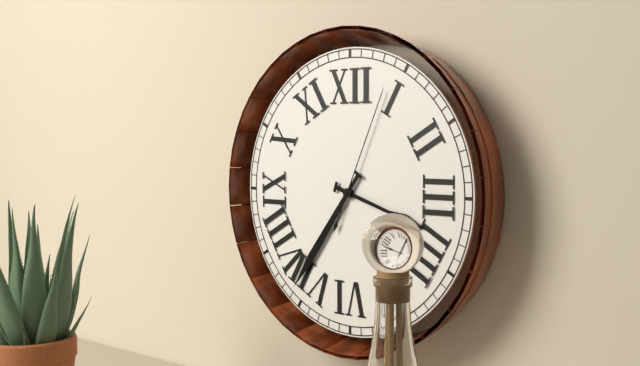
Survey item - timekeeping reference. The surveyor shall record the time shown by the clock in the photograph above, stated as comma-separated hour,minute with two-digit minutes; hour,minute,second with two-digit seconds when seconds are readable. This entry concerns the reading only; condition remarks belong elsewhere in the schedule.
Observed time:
3,36,04
